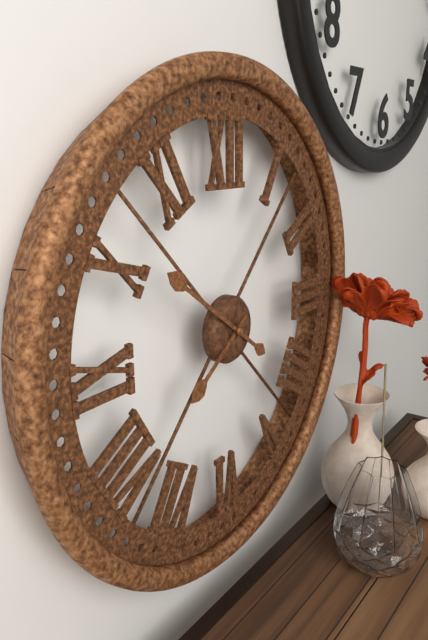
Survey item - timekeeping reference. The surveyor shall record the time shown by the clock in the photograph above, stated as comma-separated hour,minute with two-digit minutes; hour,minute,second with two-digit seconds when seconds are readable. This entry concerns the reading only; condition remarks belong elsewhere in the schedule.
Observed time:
7,51
